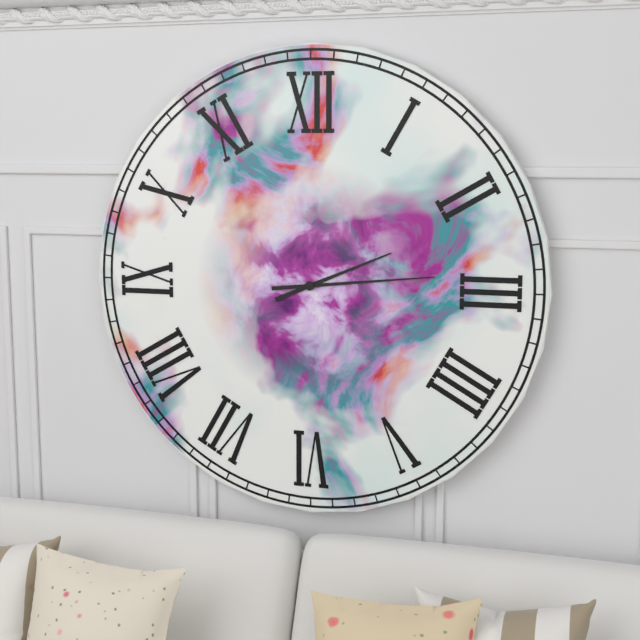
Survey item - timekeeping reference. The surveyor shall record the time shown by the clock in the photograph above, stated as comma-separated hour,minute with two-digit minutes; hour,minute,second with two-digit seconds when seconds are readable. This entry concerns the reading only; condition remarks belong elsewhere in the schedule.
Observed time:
2,14
